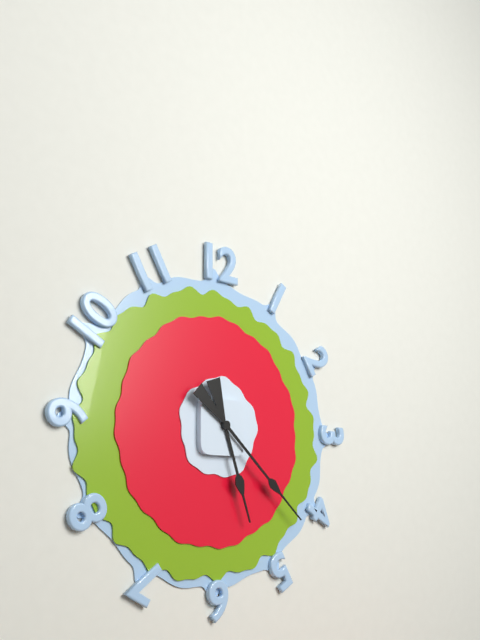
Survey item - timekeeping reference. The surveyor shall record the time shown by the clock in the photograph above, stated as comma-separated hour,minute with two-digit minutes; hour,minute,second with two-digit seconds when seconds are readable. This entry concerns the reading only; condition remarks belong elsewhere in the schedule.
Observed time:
5,22
